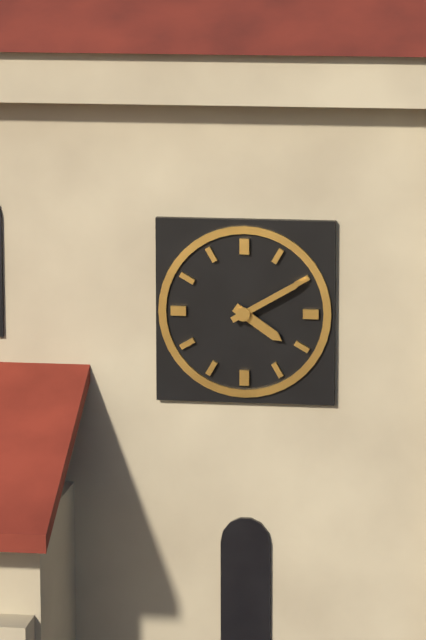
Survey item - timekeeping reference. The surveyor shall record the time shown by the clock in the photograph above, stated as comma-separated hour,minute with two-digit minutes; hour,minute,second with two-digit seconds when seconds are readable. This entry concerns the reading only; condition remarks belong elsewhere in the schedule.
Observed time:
4,10
